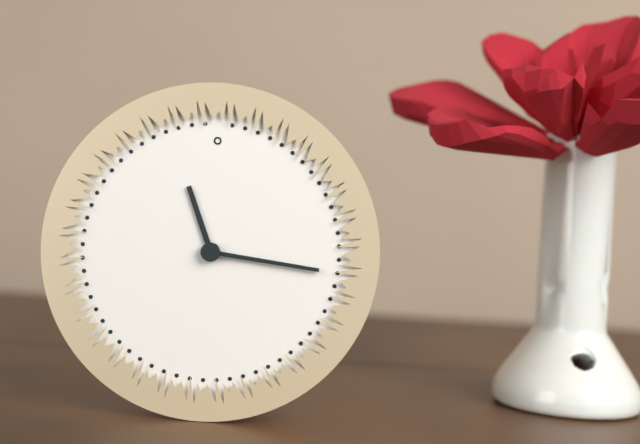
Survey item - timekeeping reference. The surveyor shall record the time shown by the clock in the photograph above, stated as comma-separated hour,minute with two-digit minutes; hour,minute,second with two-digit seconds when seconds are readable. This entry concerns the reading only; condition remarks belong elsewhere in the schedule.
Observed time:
11,16
